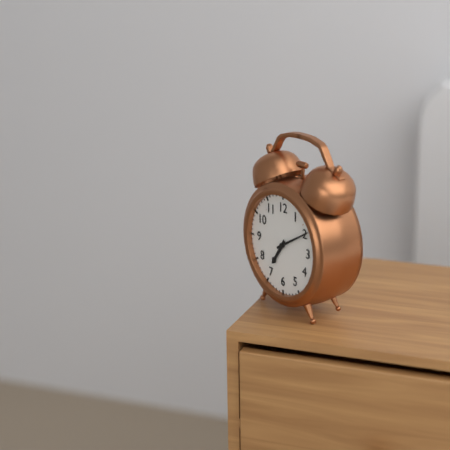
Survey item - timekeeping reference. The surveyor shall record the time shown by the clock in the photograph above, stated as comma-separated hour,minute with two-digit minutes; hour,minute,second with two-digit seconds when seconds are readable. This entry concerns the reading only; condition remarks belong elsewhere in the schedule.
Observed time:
7,10
